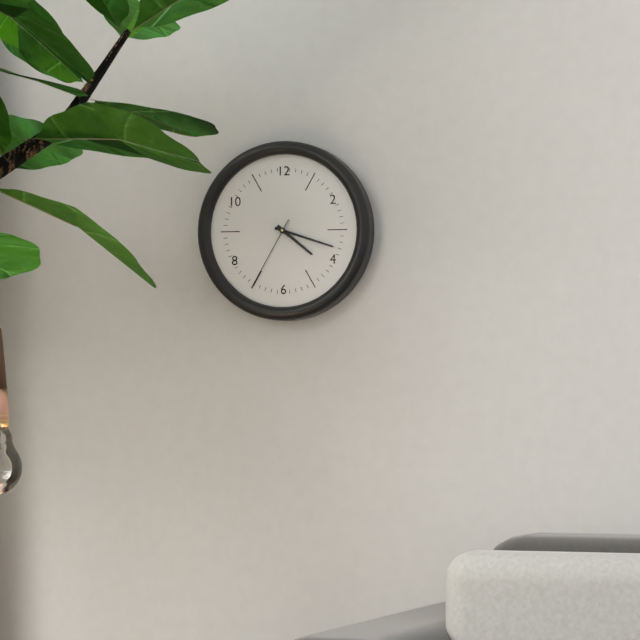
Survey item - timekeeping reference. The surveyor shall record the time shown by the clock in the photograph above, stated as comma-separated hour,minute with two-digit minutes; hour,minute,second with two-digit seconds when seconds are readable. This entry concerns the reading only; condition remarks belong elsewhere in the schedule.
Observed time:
4,18,35
